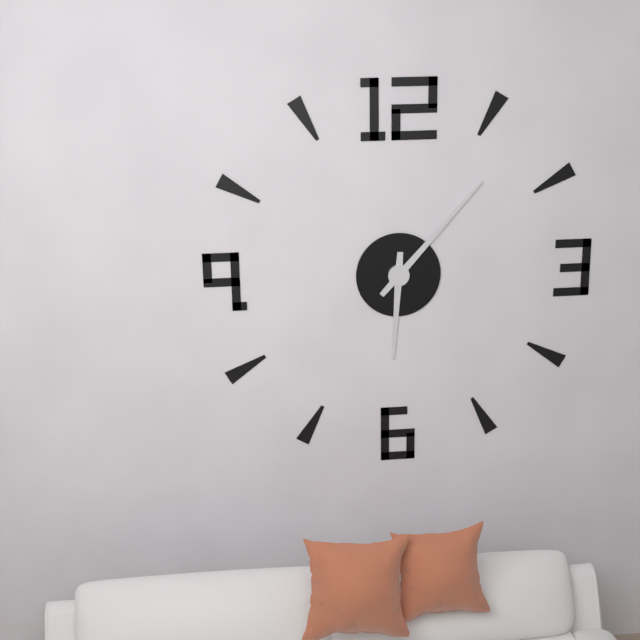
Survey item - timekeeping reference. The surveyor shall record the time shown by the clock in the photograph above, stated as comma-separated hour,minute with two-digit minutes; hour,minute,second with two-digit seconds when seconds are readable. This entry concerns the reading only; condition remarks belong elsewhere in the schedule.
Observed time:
6,07
